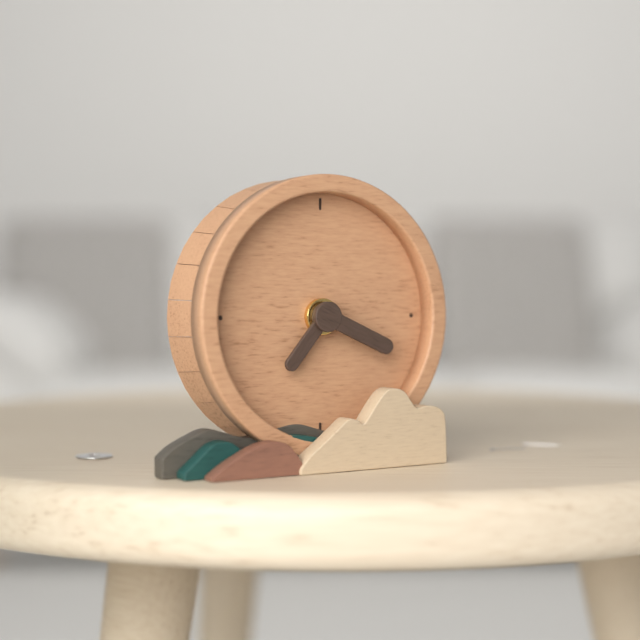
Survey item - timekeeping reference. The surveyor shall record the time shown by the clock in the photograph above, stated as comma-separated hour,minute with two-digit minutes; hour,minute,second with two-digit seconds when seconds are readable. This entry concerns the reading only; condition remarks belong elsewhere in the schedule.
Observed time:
7,19
